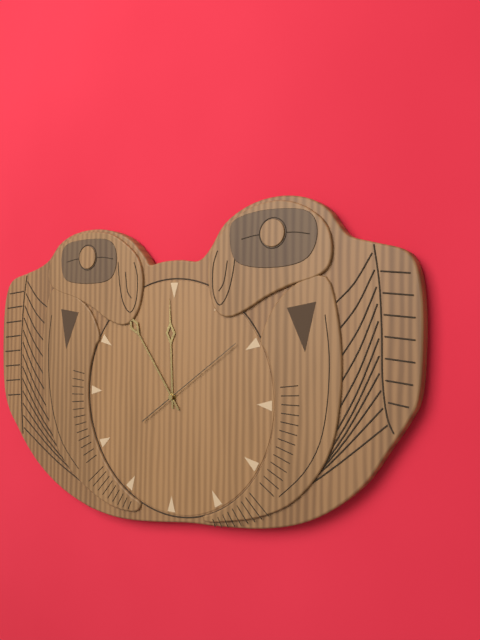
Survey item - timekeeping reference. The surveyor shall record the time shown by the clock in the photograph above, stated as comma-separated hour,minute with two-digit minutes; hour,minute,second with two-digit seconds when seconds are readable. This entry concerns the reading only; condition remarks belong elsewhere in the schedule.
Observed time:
11,54,09
